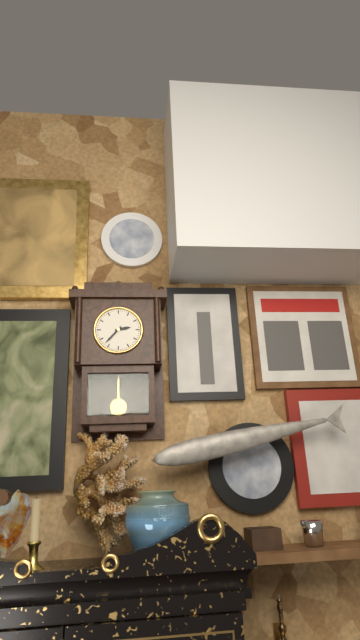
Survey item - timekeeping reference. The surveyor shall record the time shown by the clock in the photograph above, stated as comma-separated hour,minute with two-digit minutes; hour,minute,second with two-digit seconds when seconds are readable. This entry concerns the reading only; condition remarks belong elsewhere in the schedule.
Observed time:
2,37
